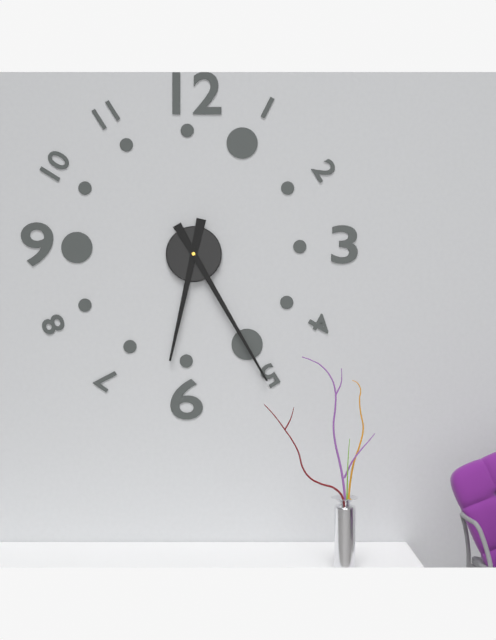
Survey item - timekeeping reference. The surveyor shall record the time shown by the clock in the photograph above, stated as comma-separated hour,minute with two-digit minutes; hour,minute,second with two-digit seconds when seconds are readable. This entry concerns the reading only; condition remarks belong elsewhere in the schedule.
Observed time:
6,25
